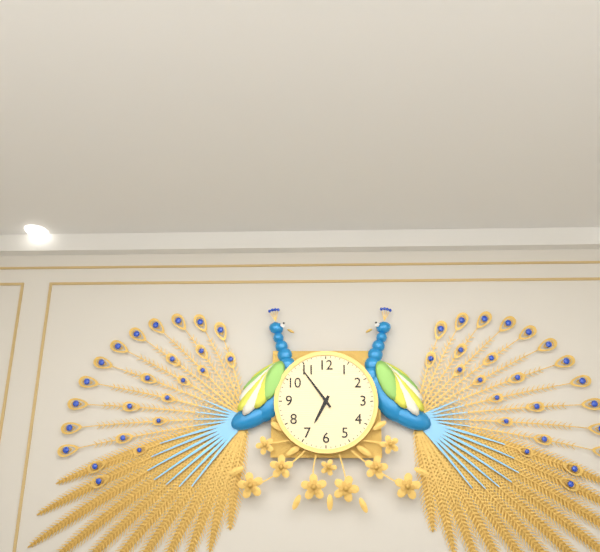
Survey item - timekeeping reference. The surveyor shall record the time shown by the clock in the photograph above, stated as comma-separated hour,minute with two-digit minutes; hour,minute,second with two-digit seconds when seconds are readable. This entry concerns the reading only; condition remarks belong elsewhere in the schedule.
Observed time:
6,54
